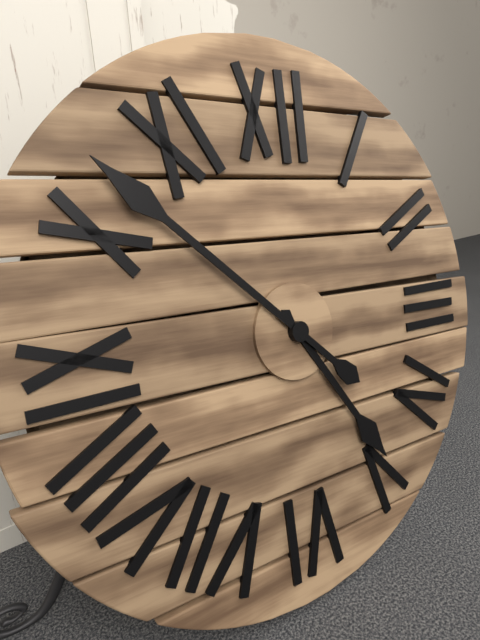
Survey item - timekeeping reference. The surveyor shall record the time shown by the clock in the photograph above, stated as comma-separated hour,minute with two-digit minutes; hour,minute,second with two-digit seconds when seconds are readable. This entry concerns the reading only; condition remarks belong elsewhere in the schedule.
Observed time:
4,52
